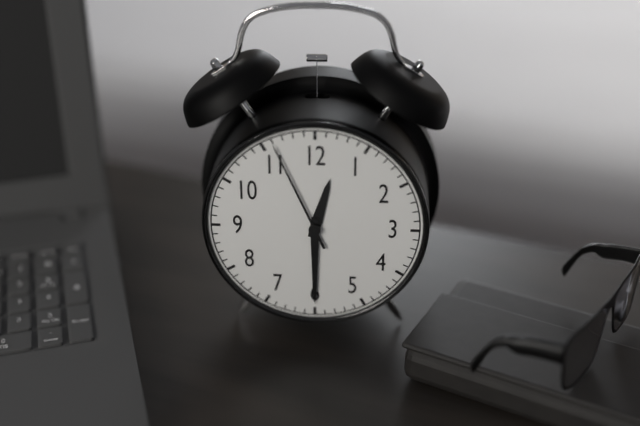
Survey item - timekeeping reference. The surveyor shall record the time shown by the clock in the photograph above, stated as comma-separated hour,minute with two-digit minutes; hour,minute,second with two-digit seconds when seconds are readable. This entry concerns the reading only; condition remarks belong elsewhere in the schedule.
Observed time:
12,30,56
